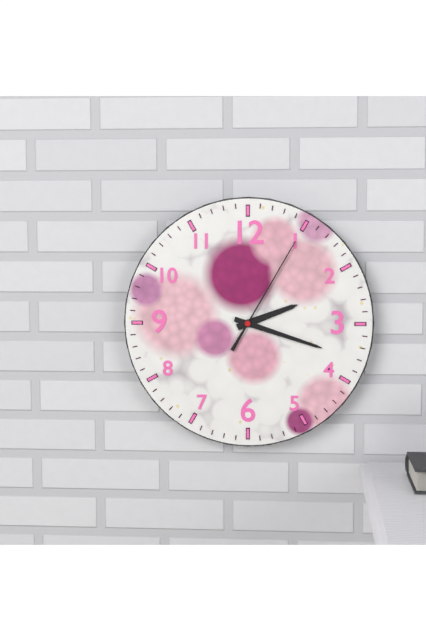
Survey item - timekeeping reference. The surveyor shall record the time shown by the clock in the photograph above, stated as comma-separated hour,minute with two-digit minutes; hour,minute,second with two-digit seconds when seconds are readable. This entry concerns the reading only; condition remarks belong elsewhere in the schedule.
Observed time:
2,18,05
